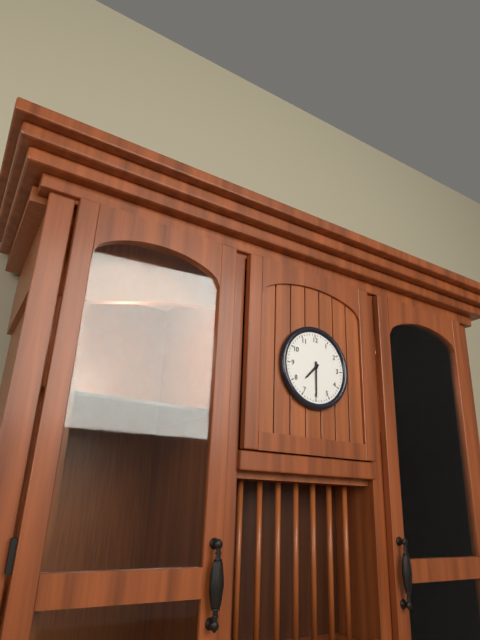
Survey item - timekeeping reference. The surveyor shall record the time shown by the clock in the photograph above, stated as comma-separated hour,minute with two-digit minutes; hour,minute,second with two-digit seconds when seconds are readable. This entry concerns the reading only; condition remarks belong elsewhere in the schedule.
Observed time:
7,30
